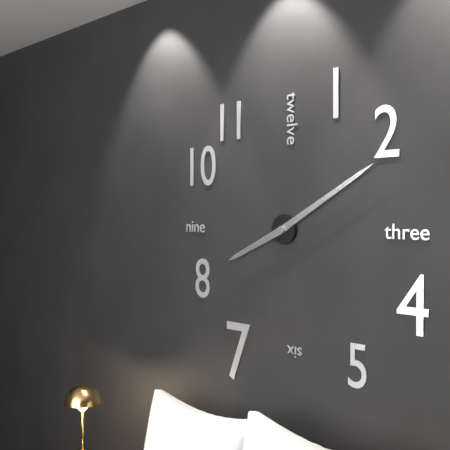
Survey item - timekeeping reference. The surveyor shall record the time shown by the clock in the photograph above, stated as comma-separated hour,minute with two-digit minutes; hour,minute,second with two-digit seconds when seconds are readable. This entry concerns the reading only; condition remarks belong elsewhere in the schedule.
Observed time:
8,10
